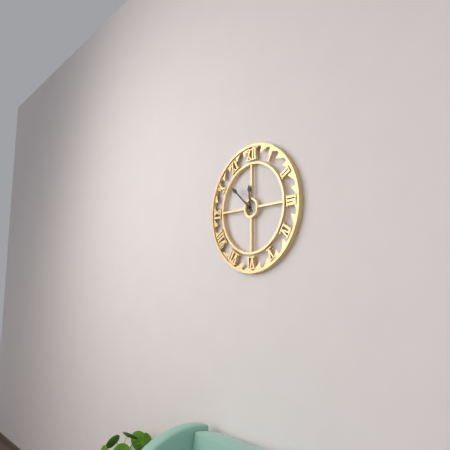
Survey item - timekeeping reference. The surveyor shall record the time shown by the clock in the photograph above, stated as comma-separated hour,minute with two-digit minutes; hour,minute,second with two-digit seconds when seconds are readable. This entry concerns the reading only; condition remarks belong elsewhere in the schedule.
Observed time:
11,52
